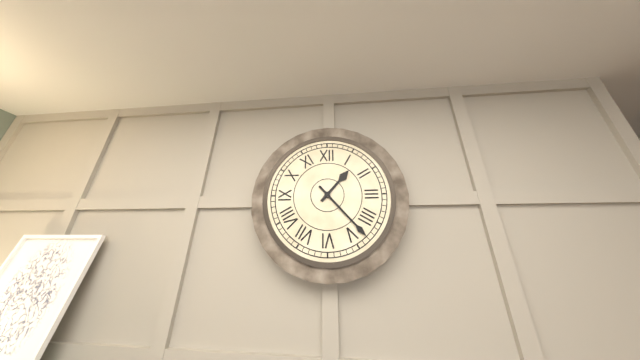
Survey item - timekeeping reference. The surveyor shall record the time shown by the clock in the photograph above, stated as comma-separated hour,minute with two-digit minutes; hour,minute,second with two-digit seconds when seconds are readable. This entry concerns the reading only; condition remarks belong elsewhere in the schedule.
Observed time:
1,23
